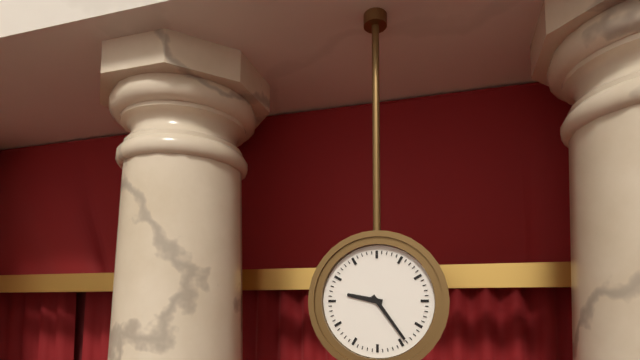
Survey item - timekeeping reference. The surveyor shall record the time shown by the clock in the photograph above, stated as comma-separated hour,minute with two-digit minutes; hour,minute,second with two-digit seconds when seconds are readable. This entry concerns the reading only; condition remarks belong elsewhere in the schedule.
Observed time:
9,24
